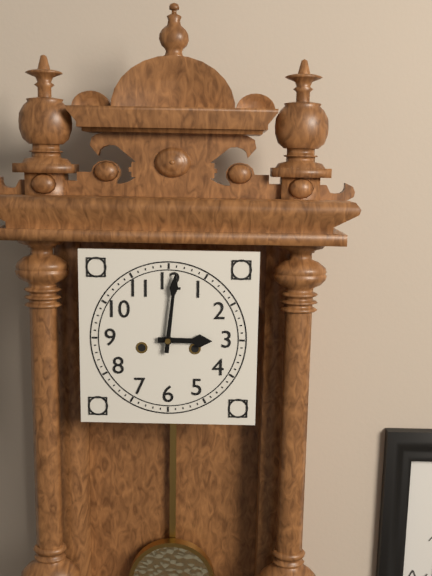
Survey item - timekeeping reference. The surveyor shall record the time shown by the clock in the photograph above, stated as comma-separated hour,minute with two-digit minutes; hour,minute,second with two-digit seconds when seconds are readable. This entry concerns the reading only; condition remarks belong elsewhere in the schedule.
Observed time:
3,01
